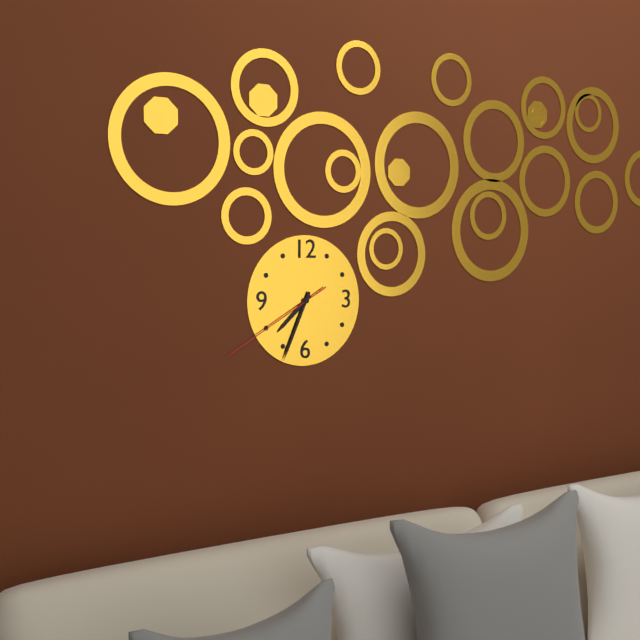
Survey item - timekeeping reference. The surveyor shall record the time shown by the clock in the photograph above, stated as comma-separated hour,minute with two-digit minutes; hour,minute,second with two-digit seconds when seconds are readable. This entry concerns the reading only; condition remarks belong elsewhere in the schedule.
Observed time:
7,34,40
